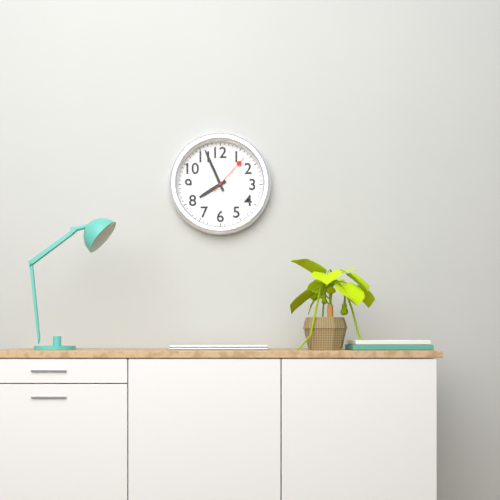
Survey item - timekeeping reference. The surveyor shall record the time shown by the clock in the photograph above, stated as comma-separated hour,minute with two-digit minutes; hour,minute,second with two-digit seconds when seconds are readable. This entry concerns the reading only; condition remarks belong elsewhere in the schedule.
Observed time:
7,56
